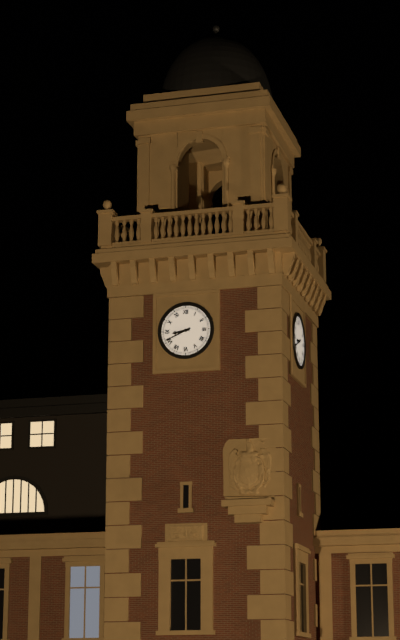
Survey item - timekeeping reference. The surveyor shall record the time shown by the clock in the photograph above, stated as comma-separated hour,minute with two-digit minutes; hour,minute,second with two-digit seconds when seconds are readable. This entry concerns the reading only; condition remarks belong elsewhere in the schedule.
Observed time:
8,41
